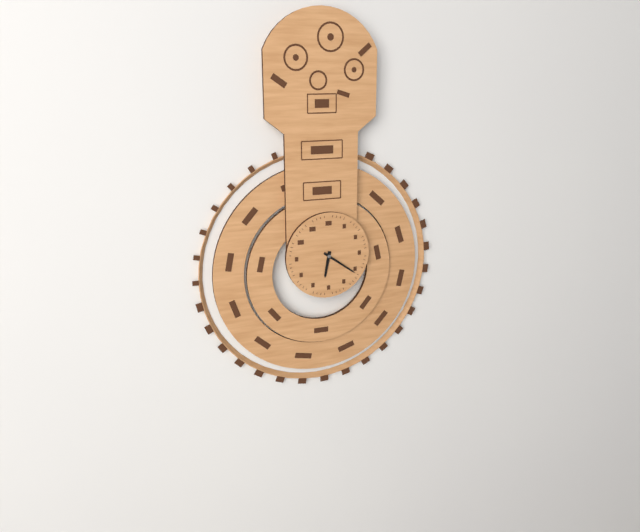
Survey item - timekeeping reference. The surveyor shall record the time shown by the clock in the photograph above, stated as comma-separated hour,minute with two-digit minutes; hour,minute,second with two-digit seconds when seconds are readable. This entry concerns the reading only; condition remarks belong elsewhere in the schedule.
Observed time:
6,21
